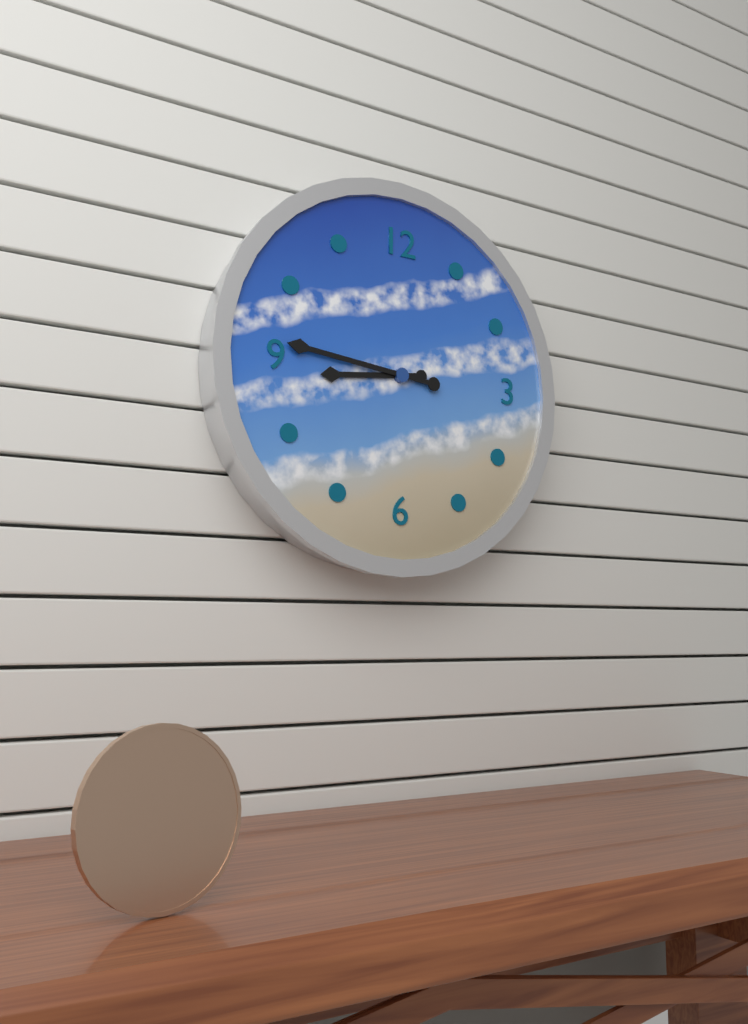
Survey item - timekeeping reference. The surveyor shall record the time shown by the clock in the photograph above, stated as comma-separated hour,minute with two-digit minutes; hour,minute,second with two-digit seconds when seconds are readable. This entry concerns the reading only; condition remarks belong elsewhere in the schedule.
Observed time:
8,46
